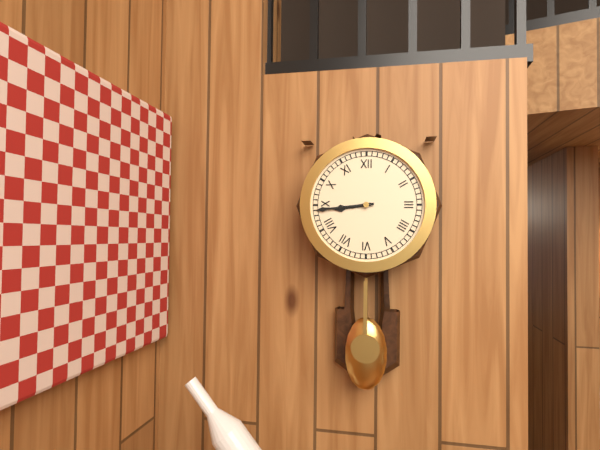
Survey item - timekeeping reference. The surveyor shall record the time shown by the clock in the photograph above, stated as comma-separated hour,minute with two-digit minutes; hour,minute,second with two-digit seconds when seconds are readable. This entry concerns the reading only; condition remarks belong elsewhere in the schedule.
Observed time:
8,44
